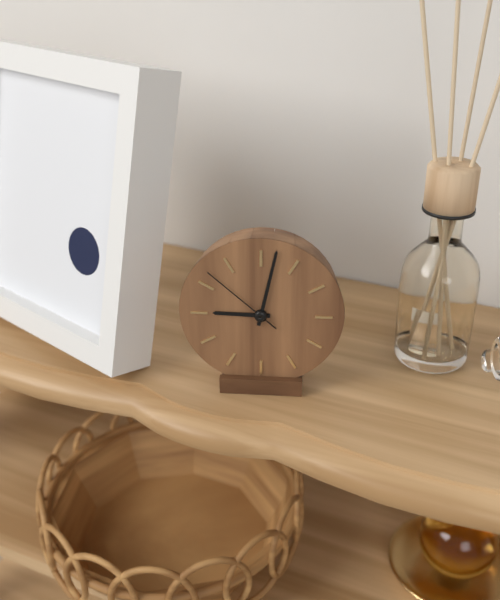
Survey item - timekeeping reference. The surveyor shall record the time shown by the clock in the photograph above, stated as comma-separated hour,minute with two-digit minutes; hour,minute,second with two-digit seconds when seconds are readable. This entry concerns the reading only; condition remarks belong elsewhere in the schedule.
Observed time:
9,02,52
